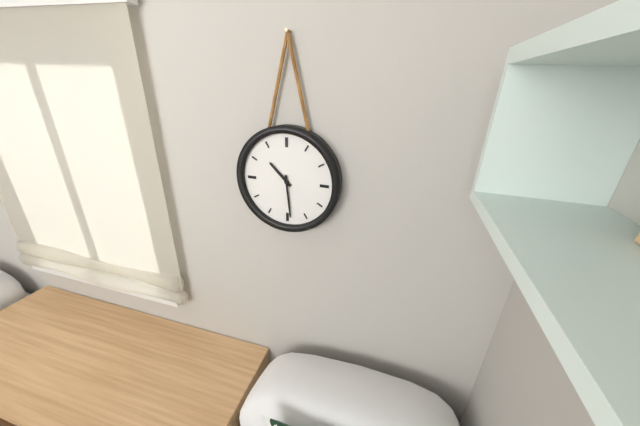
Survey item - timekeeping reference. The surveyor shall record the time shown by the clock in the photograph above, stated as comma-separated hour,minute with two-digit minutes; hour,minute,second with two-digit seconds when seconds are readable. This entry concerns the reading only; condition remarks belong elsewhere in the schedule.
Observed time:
10,29
